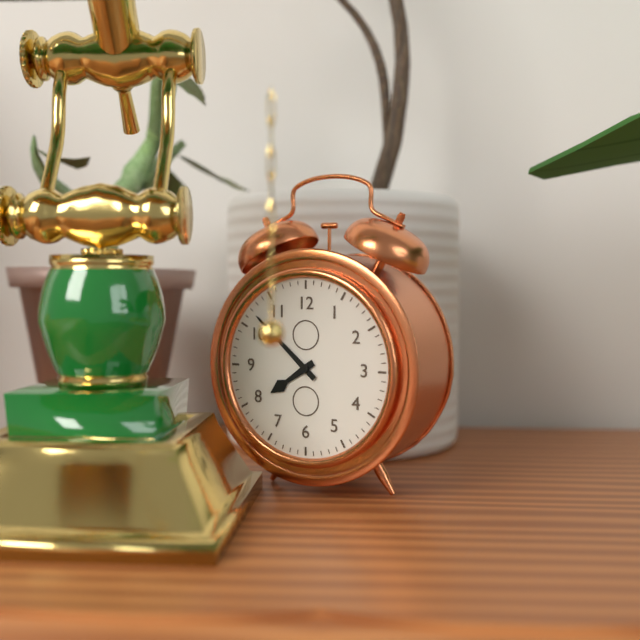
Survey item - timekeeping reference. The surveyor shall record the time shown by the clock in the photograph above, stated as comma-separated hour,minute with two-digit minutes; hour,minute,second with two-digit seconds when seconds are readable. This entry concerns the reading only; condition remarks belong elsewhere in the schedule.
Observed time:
7,52
